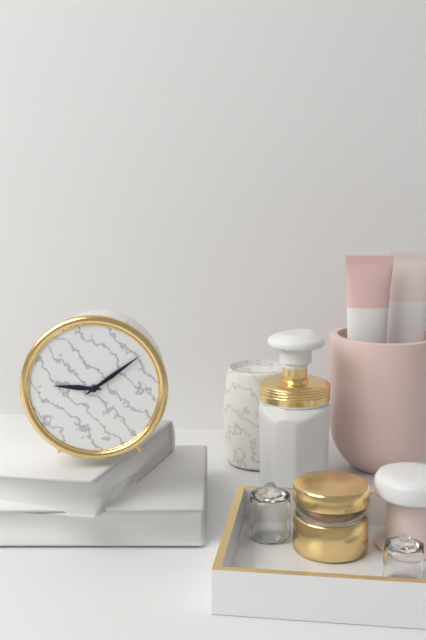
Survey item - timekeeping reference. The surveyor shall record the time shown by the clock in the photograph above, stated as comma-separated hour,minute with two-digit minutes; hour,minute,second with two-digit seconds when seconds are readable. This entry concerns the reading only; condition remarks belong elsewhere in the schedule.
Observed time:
9,09
